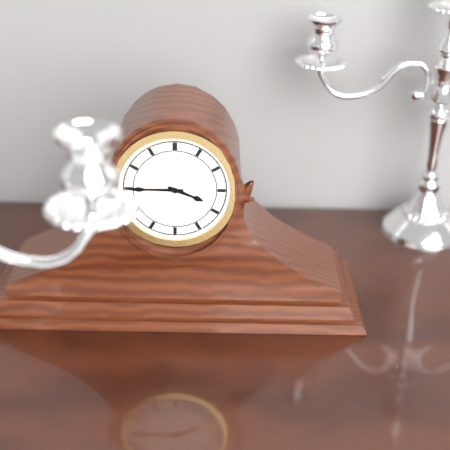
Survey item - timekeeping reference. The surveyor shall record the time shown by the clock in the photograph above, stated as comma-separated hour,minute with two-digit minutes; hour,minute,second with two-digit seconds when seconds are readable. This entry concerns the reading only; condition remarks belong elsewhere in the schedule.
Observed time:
3,45
